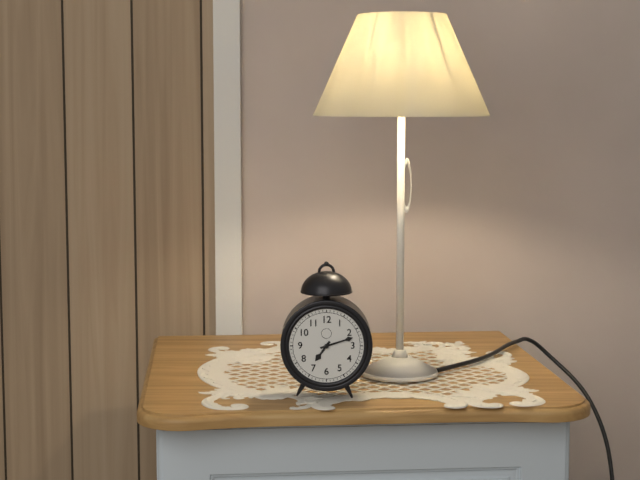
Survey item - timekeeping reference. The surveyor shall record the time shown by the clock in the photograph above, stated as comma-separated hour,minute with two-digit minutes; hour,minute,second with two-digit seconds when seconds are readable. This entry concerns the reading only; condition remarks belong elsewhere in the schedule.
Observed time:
7,12
